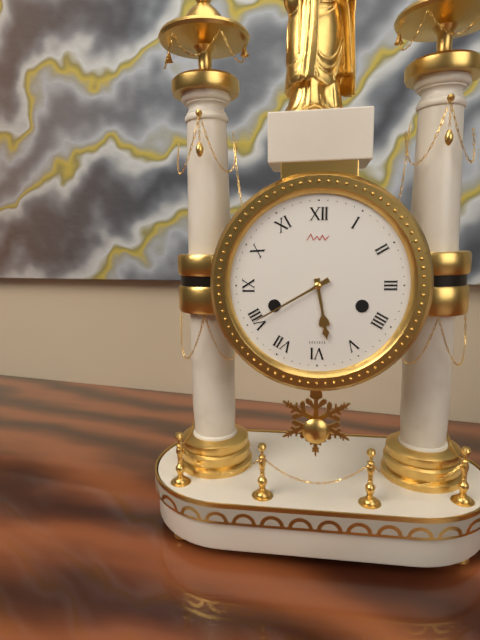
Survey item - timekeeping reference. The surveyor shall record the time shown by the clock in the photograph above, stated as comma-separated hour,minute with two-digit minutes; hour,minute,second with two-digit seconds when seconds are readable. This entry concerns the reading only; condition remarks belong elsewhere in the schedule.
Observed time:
5,40
